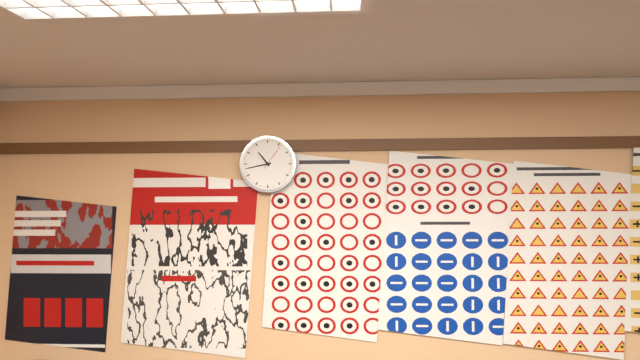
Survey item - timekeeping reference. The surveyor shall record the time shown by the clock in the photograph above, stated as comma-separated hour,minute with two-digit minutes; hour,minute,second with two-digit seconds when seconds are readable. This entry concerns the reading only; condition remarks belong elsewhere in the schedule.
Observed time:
10,43
